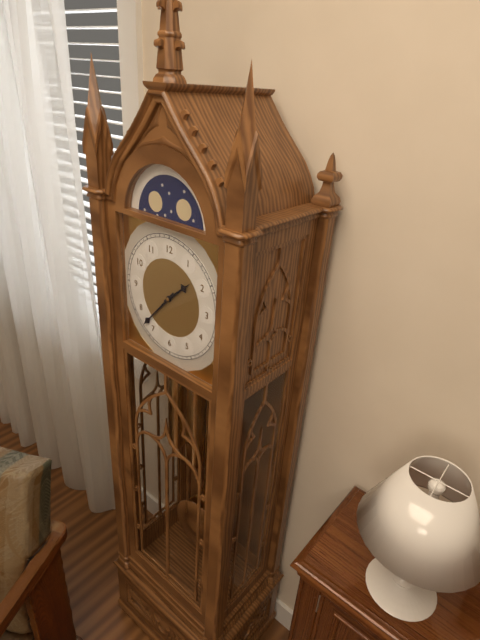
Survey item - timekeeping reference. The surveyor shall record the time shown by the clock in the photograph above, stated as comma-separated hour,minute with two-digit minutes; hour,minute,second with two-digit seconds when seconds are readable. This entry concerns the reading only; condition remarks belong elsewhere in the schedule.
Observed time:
1,37
